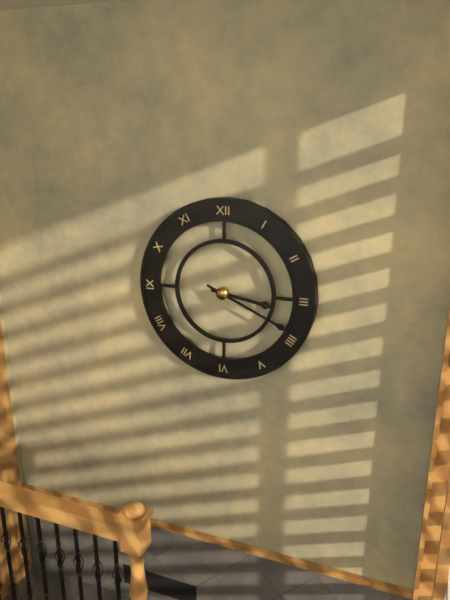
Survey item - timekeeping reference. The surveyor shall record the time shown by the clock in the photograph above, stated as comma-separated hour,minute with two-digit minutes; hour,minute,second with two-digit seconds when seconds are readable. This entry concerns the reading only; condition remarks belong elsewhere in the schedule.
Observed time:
3,19
